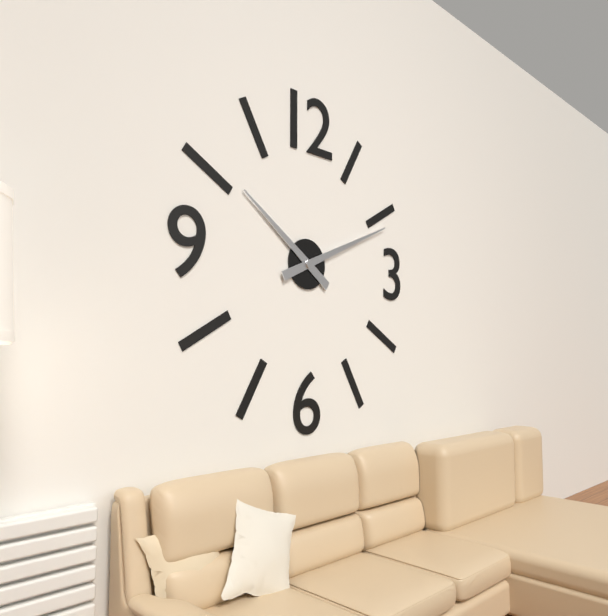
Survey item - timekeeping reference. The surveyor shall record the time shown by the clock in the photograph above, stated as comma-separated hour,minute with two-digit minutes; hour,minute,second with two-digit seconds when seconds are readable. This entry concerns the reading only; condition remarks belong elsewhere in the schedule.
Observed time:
10,11
